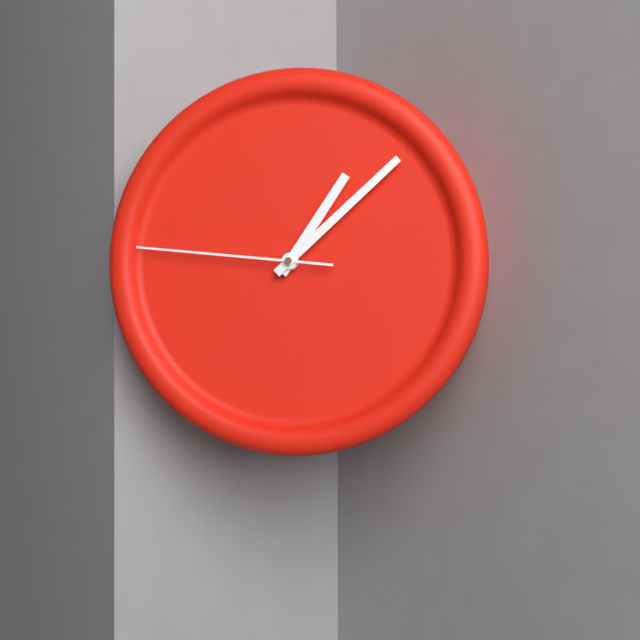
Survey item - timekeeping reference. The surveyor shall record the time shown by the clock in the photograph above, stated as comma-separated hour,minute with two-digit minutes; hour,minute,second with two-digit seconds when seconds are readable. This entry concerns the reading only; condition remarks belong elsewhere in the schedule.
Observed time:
1,08,46
